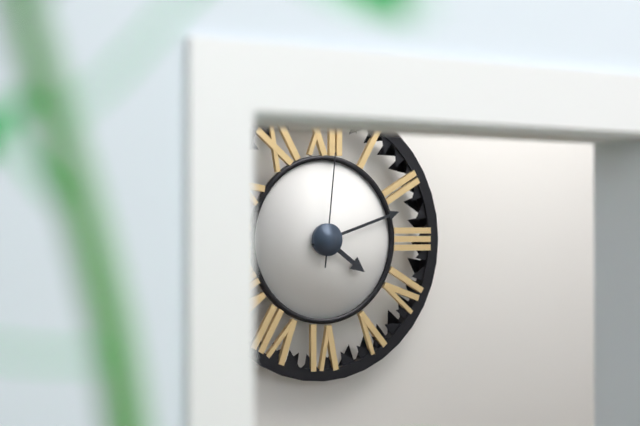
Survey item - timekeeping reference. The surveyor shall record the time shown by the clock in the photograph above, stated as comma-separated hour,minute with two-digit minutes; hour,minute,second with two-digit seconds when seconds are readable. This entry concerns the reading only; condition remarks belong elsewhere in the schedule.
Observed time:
4,12,01
